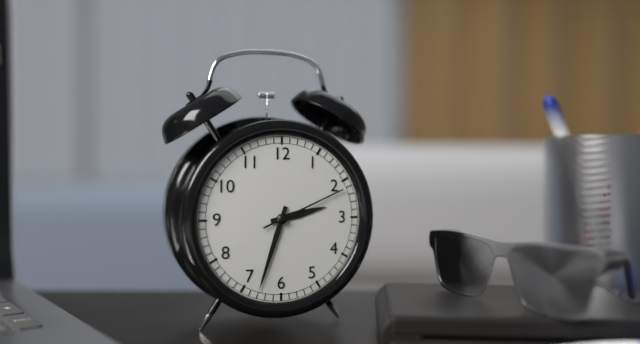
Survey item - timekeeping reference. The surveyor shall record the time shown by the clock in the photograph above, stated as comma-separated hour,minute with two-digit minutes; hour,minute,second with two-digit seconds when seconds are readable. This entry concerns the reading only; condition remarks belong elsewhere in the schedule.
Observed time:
2,33,11
